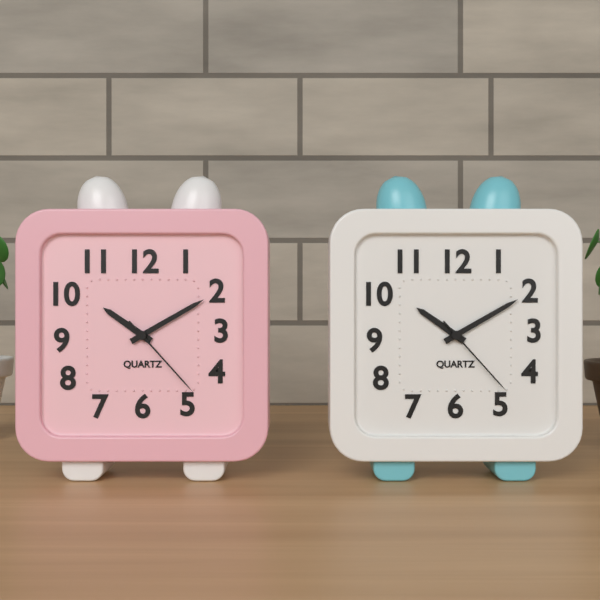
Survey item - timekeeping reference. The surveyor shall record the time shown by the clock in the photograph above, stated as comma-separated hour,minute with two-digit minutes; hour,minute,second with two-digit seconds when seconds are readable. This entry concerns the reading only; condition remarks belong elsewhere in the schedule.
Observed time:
10,10,23
